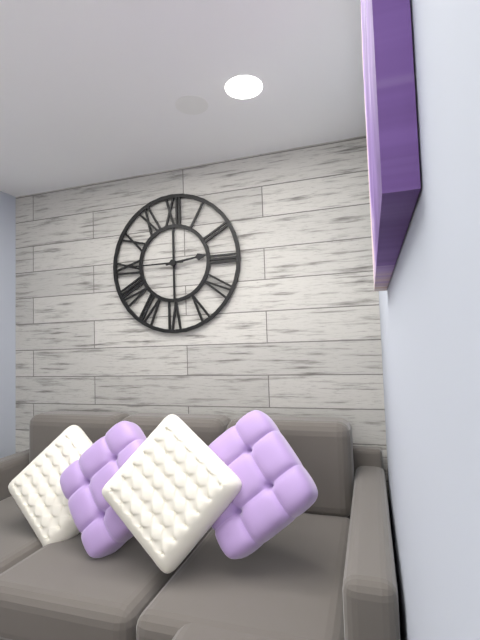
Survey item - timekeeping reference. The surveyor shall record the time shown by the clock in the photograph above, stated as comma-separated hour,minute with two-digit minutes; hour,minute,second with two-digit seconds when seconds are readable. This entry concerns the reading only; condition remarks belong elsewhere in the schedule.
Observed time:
2,45
